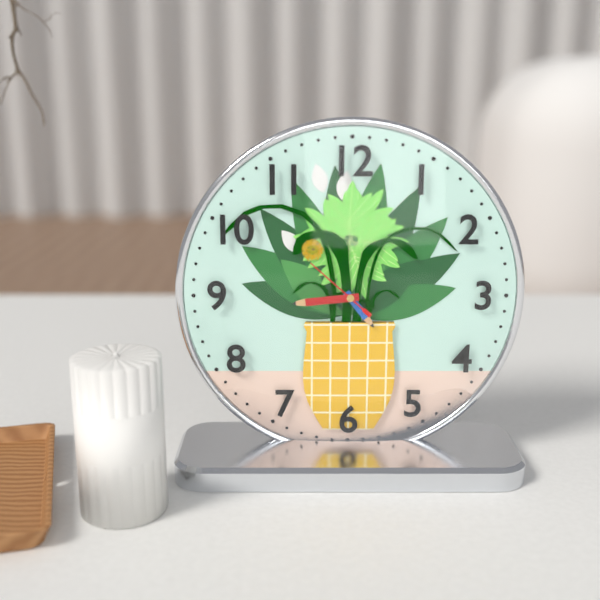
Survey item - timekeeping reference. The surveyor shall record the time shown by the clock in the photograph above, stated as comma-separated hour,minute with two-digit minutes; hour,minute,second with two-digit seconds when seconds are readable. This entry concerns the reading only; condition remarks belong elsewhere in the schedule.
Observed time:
4,44,52
